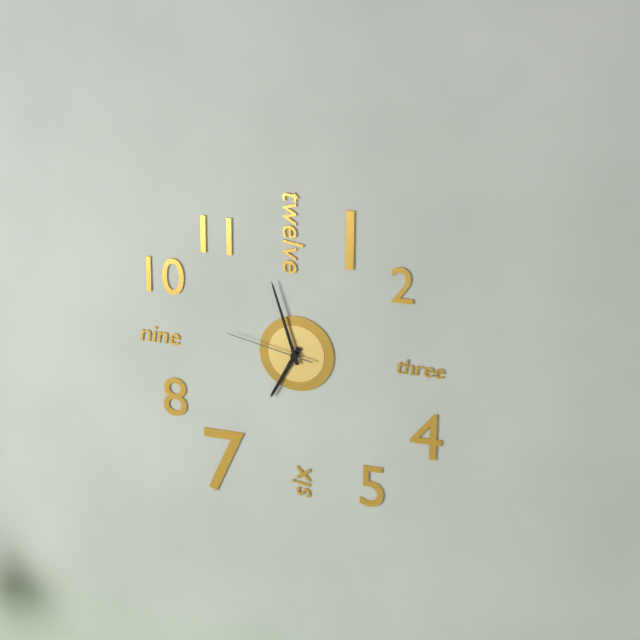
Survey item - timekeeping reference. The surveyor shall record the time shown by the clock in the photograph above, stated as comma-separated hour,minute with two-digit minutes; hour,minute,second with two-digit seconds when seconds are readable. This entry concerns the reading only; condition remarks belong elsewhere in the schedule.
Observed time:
6,57,47
